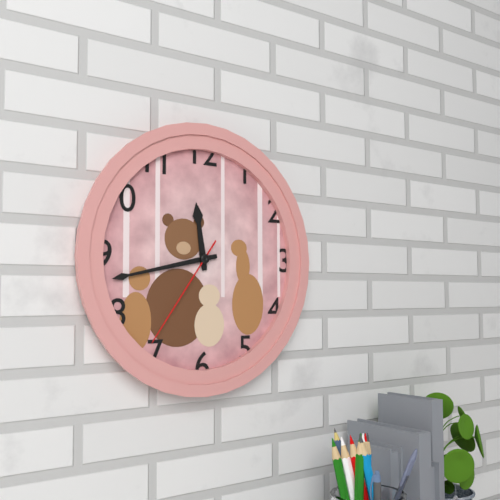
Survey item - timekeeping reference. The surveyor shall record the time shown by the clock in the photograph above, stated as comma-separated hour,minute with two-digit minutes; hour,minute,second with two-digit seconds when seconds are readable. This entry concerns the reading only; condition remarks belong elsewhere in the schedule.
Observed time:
11,43,36
